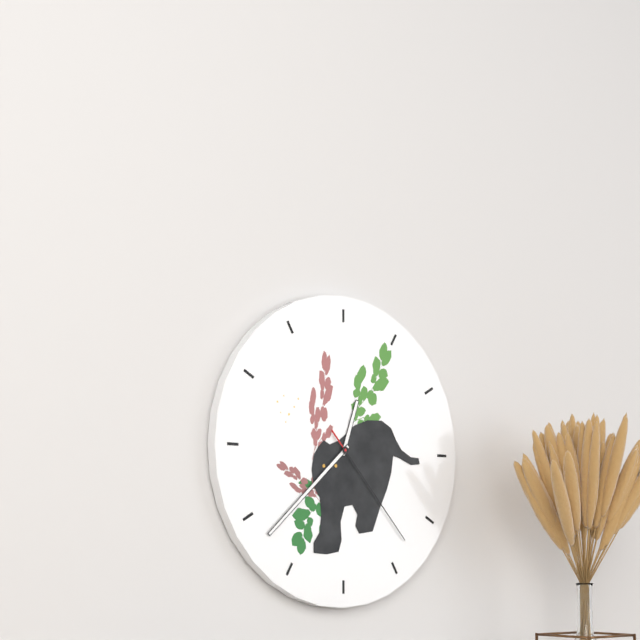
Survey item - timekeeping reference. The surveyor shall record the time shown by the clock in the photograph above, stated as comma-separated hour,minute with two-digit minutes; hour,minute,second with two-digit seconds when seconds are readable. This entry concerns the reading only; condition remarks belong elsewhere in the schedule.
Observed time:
12,38,23
